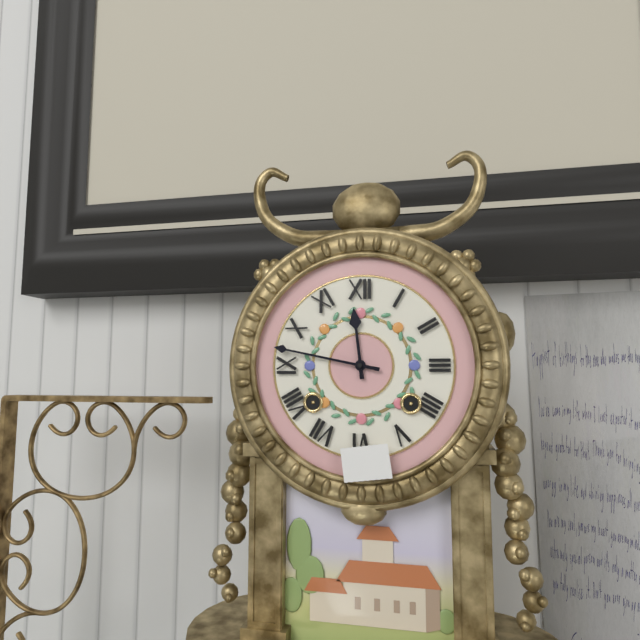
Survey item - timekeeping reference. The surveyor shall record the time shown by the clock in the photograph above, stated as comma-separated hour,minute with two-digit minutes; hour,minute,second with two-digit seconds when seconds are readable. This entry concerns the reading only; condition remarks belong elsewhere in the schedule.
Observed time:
11,47
